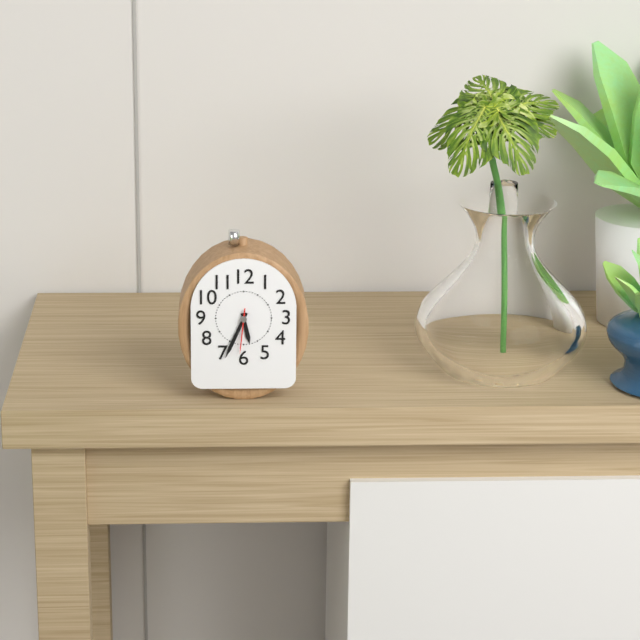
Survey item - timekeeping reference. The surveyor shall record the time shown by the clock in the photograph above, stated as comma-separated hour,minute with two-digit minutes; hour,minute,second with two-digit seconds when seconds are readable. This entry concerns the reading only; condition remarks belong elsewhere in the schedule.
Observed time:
5,34
